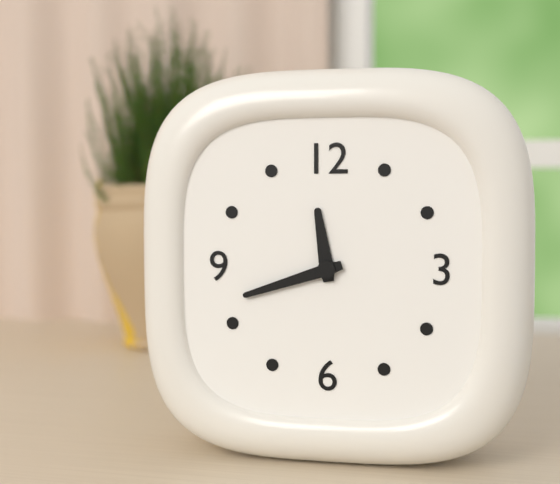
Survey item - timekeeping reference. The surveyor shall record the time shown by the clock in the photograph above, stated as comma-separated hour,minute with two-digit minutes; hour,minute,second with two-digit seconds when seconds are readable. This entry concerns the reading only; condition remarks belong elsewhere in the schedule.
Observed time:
11,42
